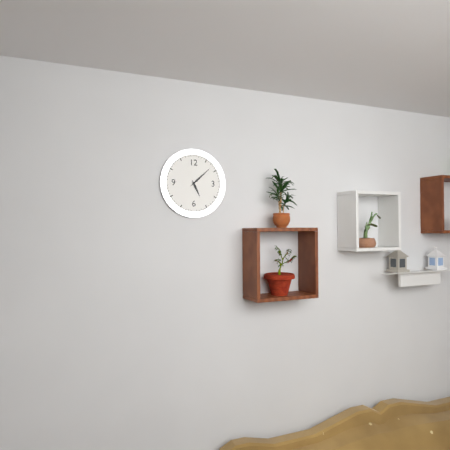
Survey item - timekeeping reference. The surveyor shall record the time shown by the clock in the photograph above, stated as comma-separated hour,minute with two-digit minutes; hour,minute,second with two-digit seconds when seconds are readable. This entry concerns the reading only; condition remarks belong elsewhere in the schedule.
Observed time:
5,08
